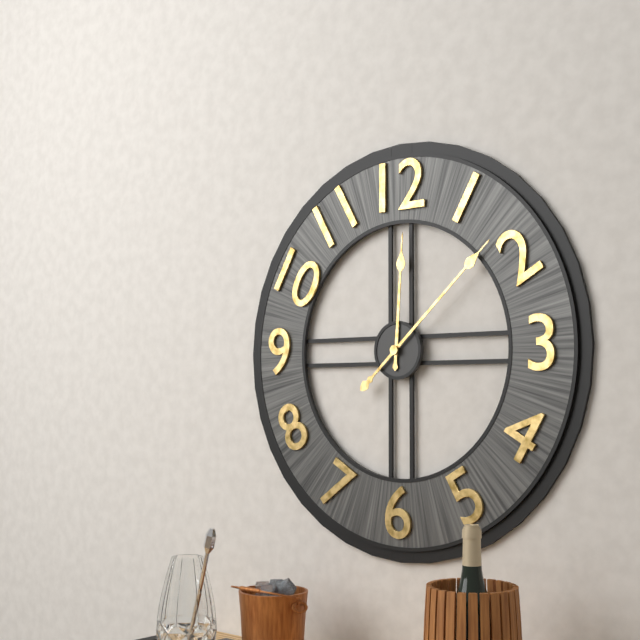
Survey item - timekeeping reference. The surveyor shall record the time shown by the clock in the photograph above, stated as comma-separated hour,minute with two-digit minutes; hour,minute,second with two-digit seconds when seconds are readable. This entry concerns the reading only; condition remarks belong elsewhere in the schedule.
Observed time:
12,08
